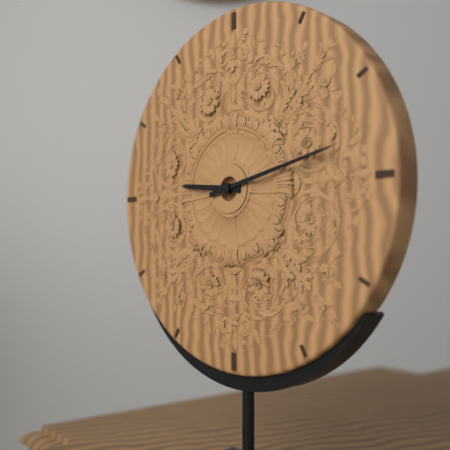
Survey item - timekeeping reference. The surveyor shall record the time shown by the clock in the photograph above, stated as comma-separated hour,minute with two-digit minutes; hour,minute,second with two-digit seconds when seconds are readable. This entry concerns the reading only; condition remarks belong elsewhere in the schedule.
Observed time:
9,13
